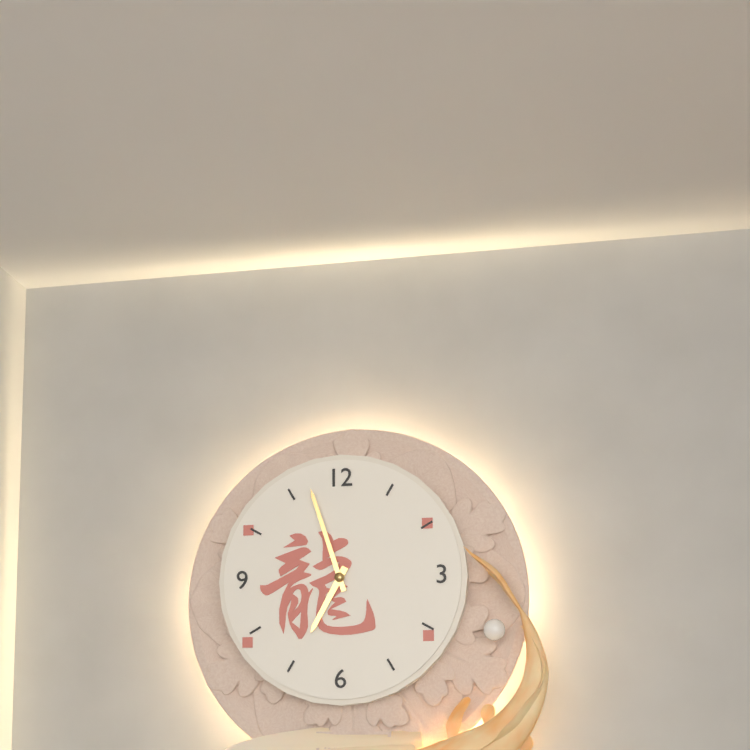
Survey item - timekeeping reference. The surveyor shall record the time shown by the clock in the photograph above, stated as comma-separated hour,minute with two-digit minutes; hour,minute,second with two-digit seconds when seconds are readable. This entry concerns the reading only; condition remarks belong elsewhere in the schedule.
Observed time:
6,57
